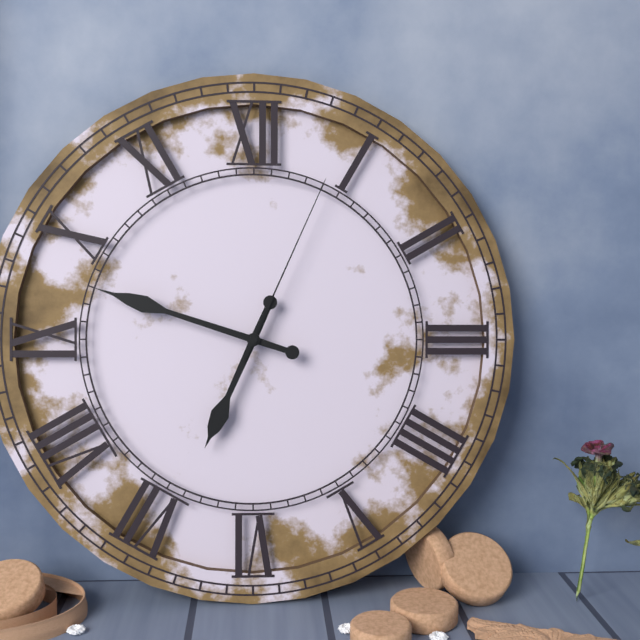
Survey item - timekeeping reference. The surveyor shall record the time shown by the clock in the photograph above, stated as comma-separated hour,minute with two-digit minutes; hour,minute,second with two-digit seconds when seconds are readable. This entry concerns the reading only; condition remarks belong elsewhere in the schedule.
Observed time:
6,48,04
